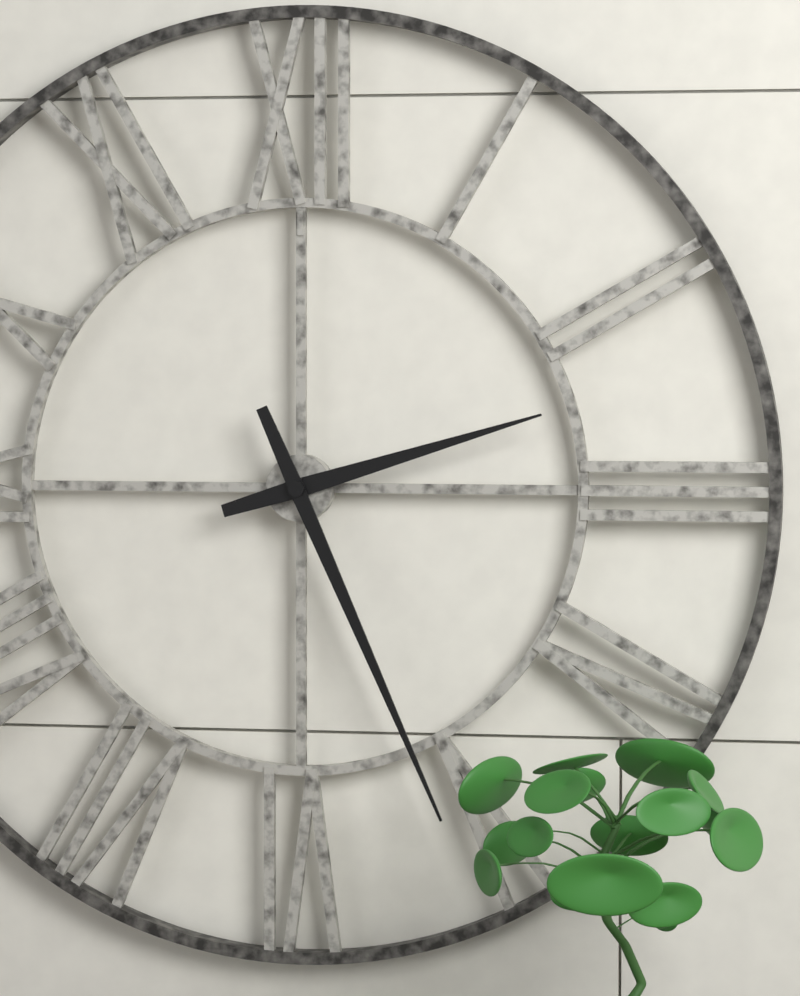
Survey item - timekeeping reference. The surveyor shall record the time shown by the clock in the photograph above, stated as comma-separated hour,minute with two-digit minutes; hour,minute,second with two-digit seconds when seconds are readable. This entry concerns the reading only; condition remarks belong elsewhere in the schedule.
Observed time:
2,26
